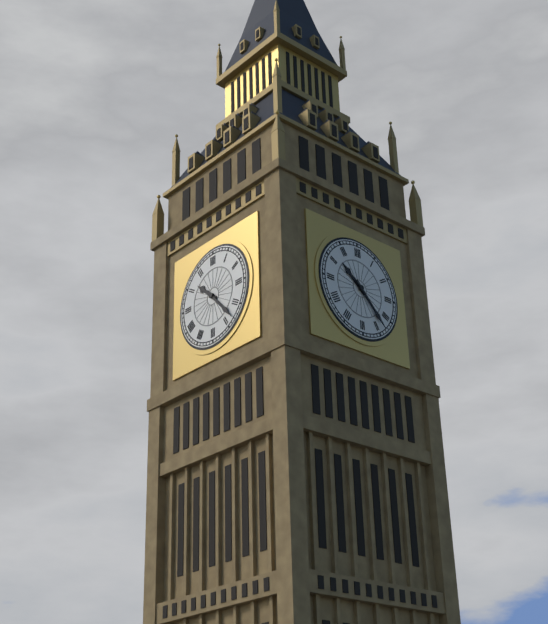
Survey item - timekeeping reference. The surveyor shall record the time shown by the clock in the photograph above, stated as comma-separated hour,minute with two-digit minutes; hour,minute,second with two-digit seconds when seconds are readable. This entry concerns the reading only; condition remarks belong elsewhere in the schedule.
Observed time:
10,23
